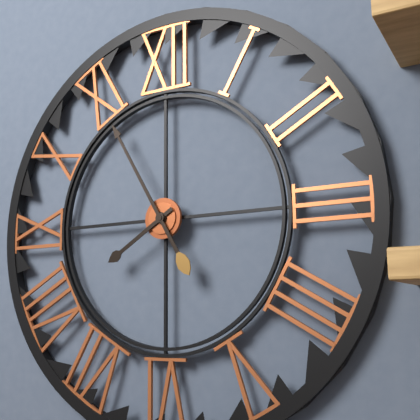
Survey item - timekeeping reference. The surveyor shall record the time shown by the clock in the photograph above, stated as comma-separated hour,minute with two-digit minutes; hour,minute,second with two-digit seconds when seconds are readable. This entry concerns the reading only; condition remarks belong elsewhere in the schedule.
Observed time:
7,55
